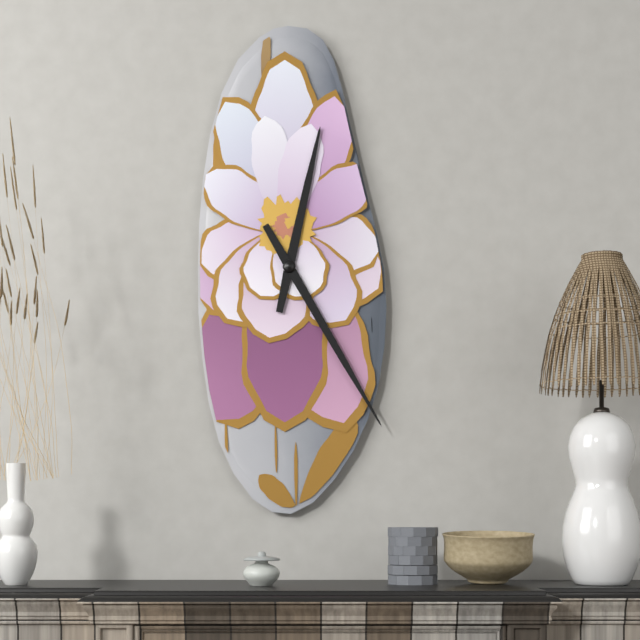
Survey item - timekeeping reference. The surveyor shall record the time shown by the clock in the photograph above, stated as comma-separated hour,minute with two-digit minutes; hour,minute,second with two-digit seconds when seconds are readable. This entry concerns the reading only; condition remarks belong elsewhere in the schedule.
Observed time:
12,25
